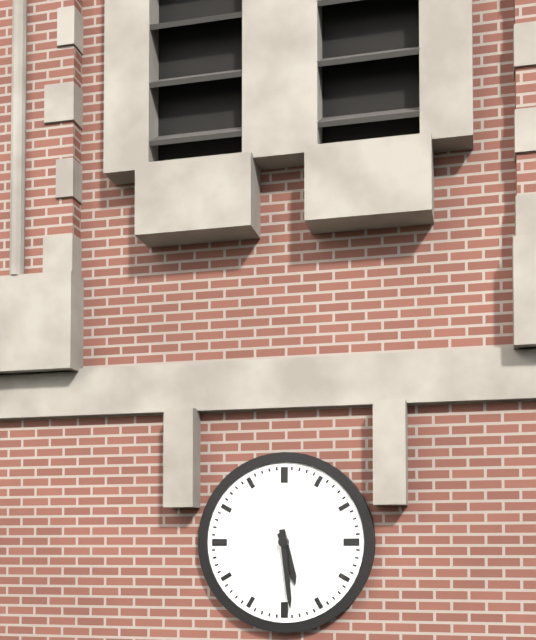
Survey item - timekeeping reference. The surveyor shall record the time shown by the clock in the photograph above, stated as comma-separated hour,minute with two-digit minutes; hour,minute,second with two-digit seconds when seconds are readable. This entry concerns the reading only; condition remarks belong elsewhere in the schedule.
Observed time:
5,29
